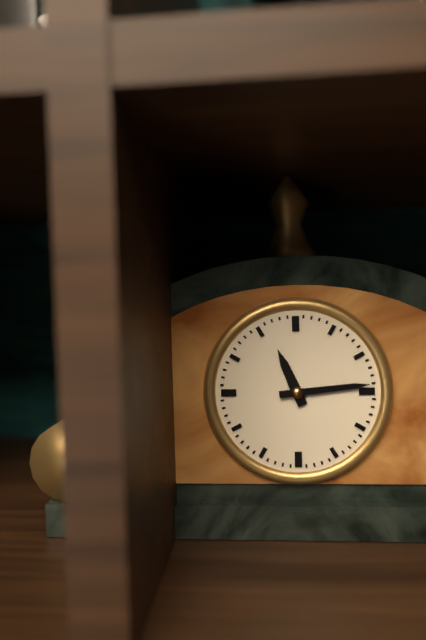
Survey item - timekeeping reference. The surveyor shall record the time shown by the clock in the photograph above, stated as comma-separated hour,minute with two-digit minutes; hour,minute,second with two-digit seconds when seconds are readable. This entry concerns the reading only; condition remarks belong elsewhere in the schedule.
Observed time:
11,14
